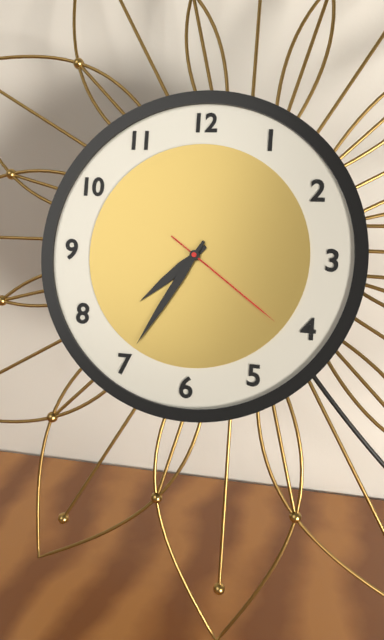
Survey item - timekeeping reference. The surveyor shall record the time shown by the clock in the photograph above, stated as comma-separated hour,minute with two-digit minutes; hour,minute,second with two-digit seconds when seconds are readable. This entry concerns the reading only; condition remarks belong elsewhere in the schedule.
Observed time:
7,35,21
